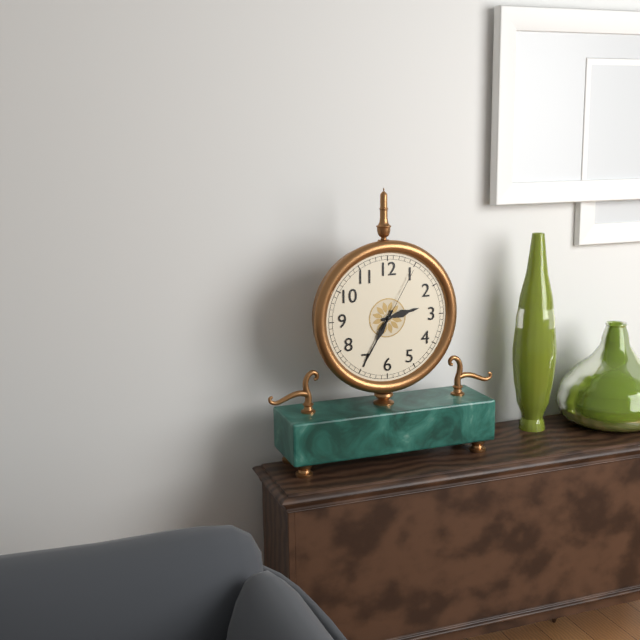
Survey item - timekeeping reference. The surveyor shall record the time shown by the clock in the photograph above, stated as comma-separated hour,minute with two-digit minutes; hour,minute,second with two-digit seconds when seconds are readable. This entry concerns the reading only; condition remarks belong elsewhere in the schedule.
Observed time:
2,35,05
